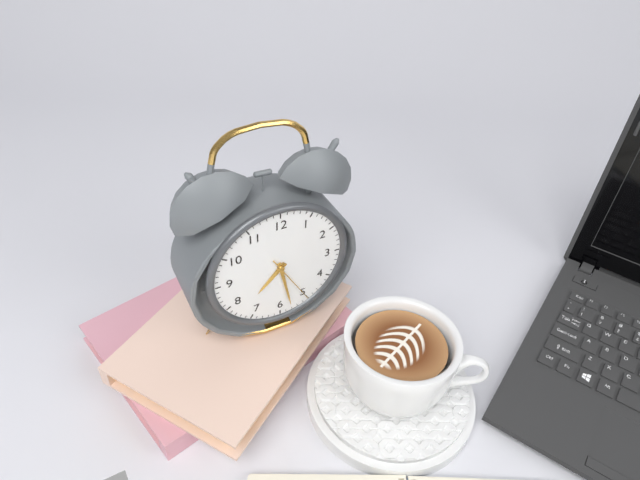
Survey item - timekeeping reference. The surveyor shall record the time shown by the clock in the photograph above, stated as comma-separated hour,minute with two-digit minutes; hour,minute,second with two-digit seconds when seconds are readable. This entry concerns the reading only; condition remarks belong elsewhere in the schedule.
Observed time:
7,28,25
